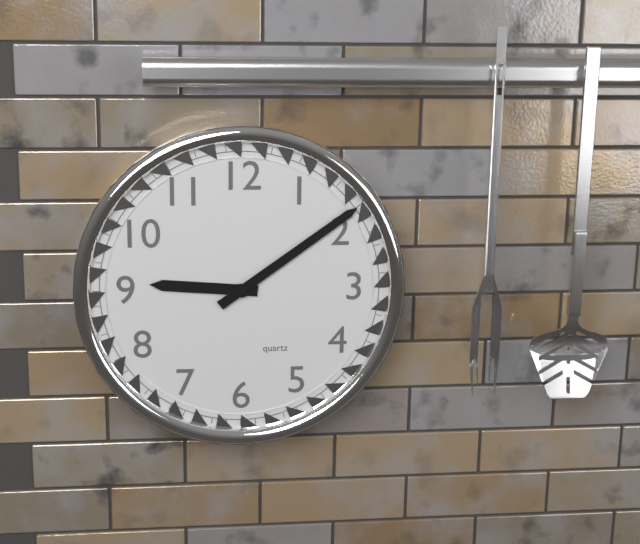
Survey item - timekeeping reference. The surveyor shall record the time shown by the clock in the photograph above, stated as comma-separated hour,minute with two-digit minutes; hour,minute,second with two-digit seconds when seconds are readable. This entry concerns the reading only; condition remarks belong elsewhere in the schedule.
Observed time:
9,09
